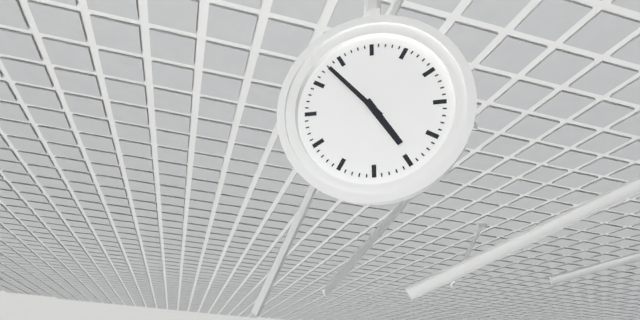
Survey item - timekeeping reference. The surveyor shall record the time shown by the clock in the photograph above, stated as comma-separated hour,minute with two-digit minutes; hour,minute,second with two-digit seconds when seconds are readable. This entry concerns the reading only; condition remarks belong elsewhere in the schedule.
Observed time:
4,53
